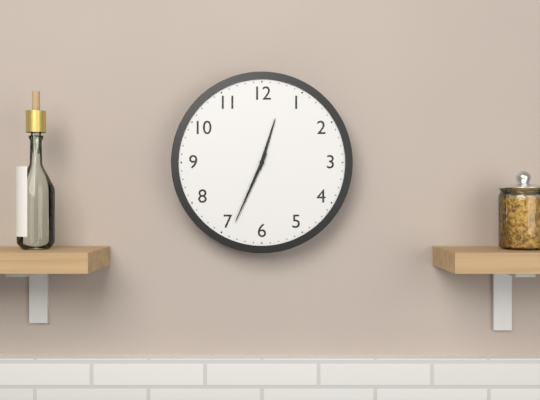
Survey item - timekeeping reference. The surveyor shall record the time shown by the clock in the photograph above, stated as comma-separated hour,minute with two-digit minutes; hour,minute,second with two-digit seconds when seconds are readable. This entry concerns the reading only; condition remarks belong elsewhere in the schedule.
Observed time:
12,34
